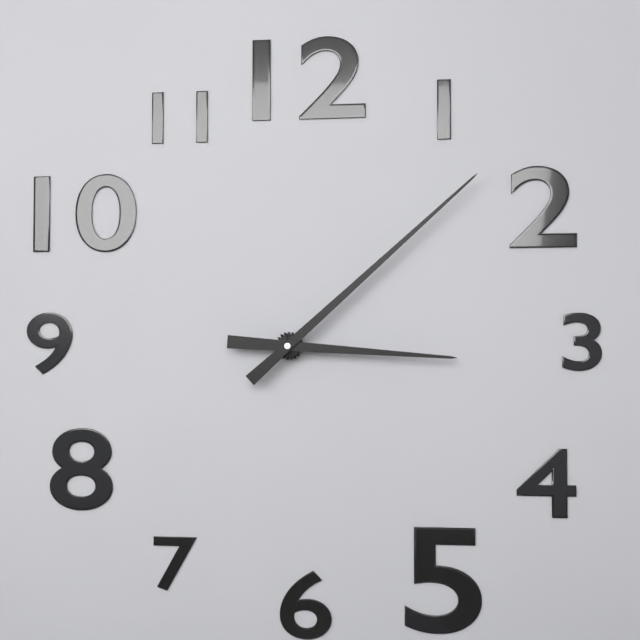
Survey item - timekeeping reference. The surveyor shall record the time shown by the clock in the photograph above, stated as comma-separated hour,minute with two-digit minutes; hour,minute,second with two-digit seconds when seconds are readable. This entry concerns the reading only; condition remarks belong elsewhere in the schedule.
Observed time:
3,08
